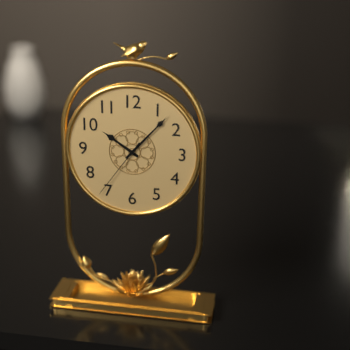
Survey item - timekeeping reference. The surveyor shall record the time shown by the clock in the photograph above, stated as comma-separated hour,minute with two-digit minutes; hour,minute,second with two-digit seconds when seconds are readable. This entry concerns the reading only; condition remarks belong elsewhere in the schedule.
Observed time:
10,07,36
